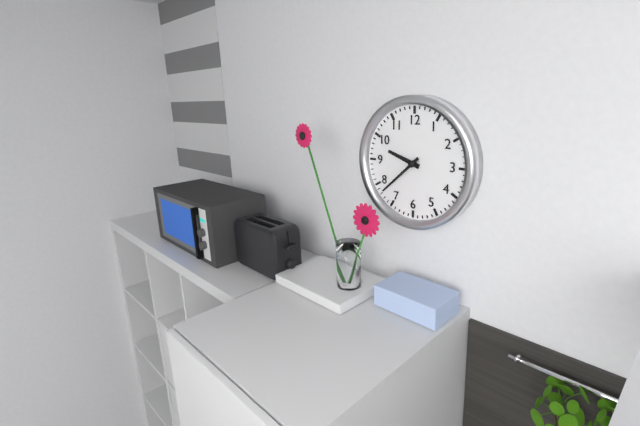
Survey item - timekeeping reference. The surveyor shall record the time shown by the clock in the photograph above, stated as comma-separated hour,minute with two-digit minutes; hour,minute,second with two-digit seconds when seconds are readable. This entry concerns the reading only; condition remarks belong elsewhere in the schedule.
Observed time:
9,38
